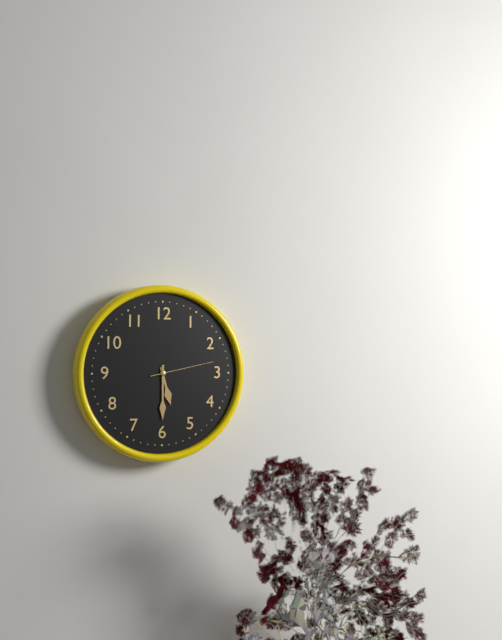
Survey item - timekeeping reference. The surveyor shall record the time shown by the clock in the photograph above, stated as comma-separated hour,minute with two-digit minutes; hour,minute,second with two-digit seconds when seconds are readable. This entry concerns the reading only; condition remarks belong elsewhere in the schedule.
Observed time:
5,30,13
